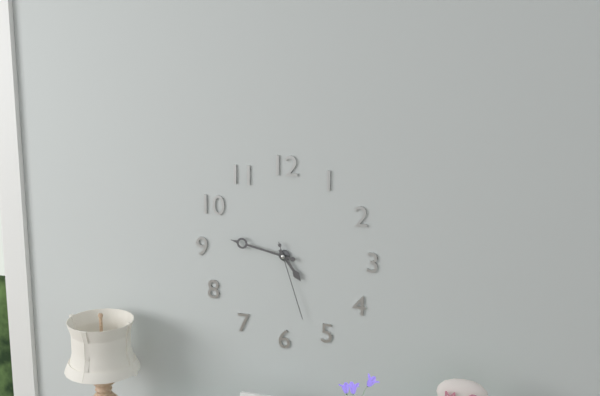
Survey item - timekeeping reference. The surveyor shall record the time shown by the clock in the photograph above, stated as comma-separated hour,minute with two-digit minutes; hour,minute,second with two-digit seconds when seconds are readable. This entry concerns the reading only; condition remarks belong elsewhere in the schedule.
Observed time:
4,47,27
